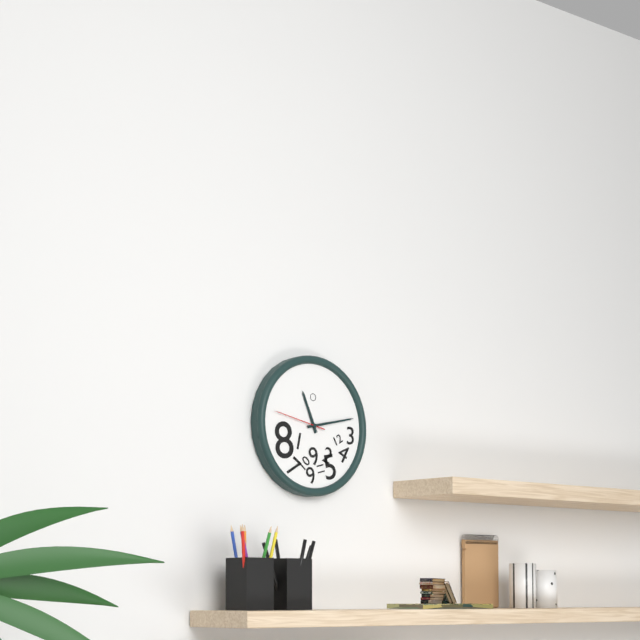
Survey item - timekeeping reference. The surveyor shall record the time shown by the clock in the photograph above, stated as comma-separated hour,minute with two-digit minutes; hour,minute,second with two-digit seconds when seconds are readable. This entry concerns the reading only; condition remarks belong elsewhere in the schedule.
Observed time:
11,13,47
